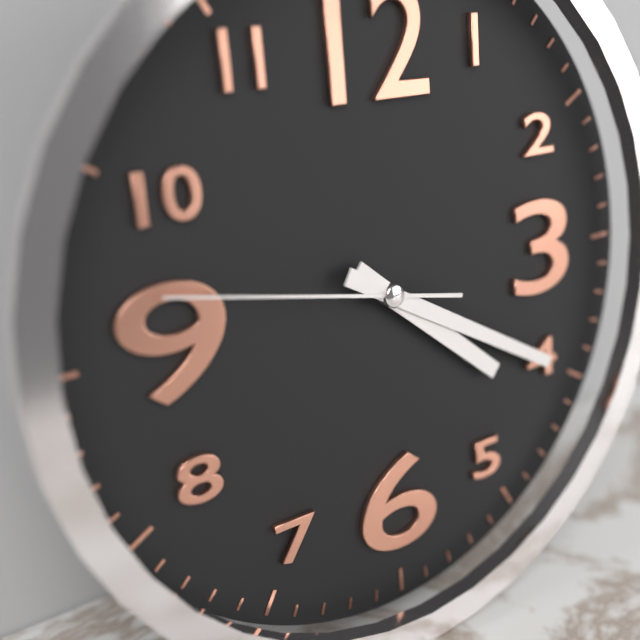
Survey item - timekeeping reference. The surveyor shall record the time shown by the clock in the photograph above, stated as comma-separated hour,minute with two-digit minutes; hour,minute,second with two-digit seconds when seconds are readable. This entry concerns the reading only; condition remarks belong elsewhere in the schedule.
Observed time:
4,20,47
